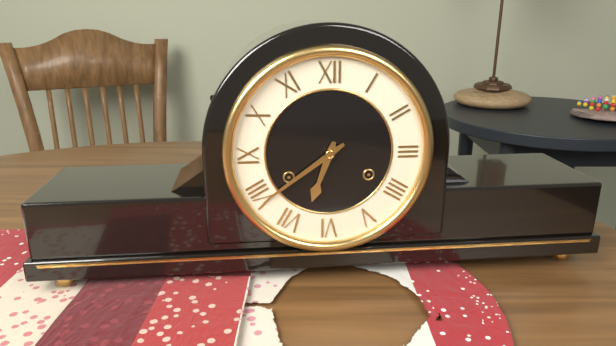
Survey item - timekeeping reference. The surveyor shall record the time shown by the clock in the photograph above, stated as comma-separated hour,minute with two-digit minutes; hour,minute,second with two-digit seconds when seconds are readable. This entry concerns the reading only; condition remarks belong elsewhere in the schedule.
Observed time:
6,39
